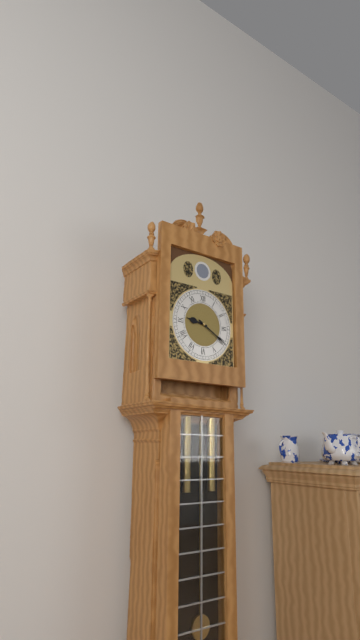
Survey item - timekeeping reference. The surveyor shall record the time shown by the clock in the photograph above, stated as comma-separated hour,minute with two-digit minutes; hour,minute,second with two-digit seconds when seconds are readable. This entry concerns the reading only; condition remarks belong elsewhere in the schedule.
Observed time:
9,20
